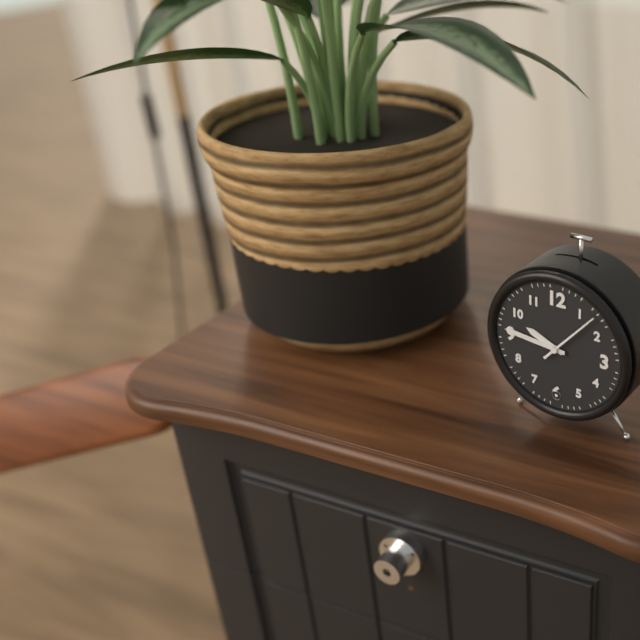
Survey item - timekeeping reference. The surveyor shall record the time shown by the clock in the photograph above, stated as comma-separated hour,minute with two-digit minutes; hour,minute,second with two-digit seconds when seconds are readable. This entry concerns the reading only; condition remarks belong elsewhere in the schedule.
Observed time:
9,46,07
